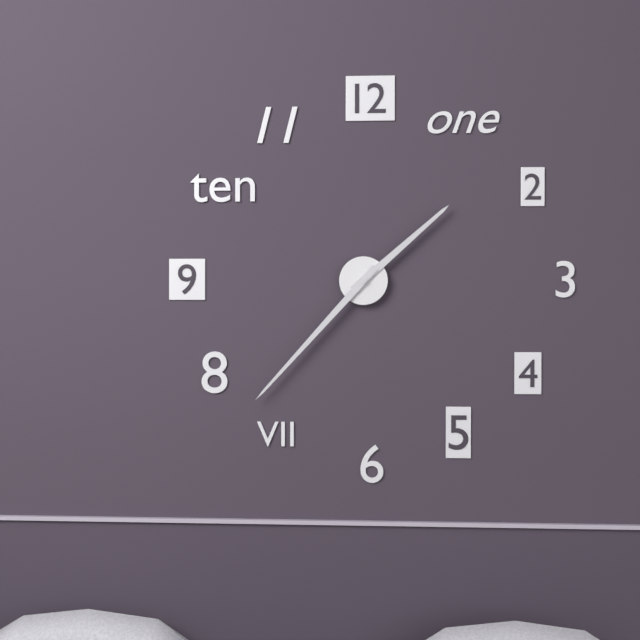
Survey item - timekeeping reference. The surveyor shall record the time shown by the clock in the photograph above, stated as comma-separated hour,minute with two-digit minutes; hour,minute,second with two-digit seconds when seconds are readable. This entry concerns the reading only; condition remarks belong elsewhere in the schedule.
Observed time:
1,37
